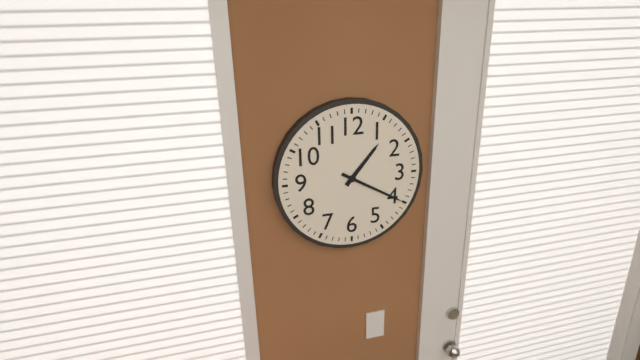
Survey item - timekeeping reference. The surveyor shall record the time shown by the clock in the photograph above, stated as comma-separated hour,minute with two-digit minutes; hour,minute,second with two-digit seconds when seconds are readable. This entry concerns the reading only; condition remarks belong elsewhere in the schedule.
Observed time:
1,20
